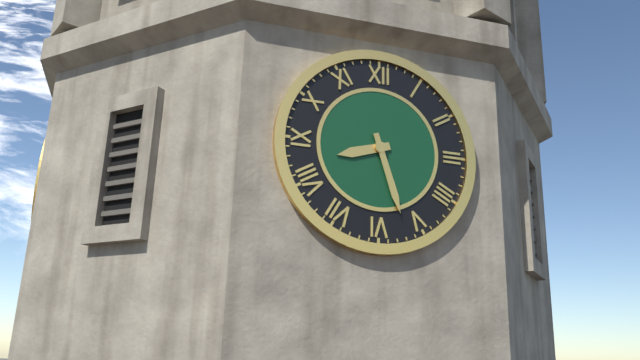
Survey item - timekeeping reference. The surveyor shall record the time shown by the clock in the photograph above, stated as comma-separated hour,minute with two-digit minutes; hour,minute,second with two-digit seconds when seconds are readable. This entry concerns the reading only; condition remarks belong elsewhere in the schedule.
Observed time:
8,27
